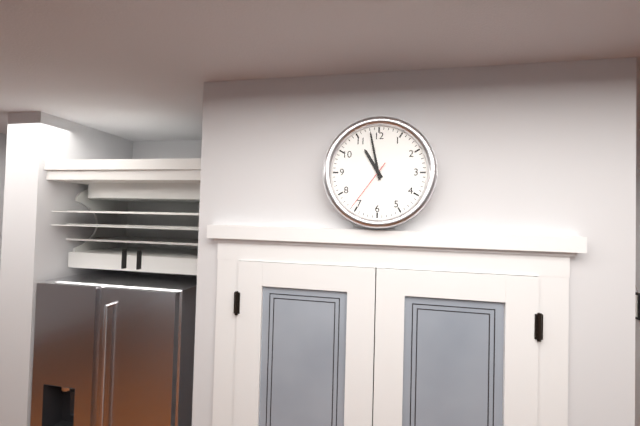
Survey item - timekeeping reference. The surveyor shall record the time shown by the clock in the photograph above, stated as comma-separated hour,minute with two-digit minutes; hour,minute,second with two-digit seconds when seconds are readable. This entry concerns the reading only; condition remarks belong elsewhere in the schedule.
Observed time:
10,58,36
